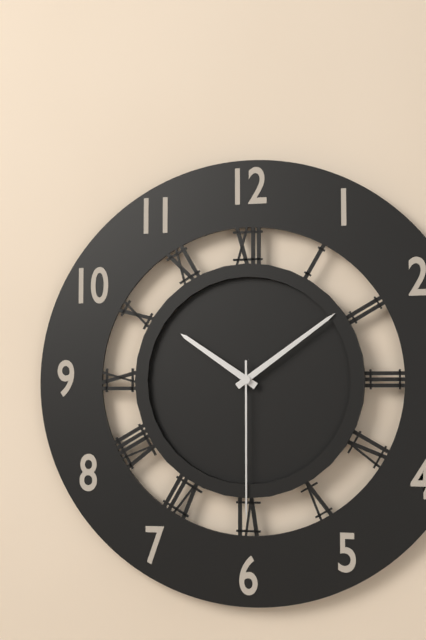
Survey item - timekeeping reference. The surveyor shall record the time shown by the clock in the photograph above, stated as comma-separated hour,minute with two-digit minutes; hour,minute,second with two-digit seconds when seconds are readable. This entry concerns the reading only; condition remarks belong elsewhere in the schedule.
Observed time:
10,09,30
